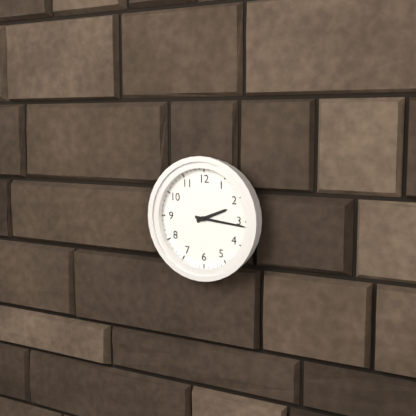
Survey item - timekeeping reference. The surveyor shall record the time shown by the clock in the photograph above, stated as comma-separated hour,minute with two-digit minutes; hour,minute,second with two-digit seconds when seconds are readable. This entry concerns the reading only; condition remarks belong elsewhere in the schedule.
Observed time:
2,16
